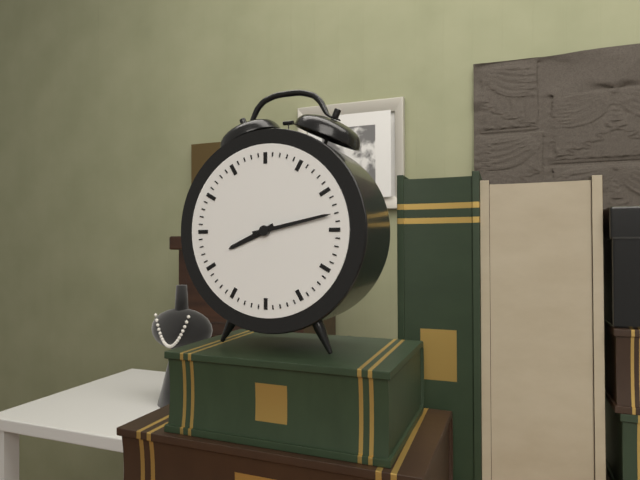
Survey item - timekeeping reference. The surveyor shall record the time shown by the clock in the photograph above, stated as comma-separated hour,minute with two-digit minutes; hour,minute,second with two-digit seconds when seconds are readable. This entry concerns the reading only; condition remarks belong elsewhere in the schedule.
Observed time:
8,13
